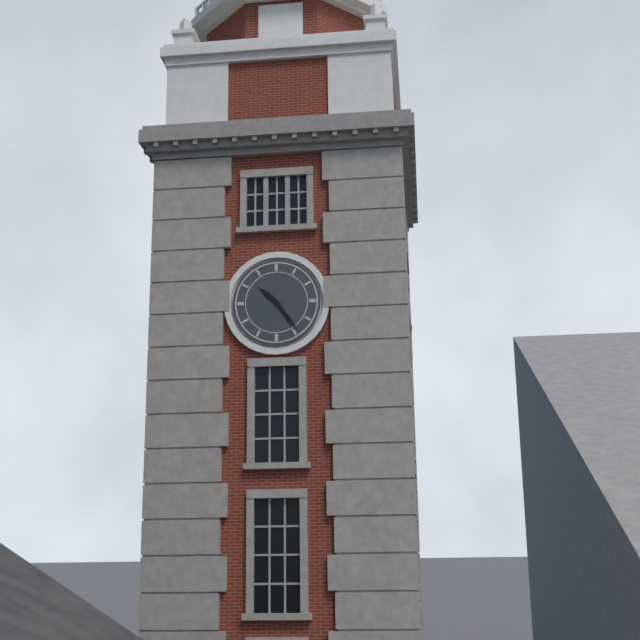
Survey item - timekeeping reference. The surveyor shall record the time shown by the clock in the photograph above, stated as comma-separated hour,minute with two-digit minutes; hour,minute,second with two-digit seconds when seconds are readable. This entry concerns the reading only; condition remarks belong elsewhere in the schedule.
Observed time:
10,24
